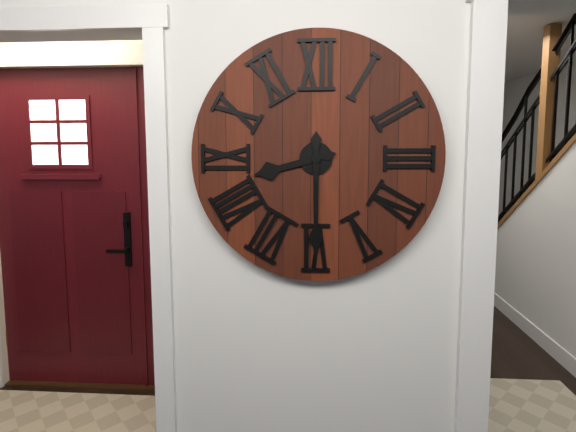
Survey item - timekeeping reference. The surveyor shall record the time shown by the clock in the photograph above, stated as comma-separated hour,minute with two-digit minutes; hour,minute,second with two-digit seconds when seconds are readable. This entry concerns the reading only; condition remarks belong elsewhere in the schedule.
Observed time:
8,30
